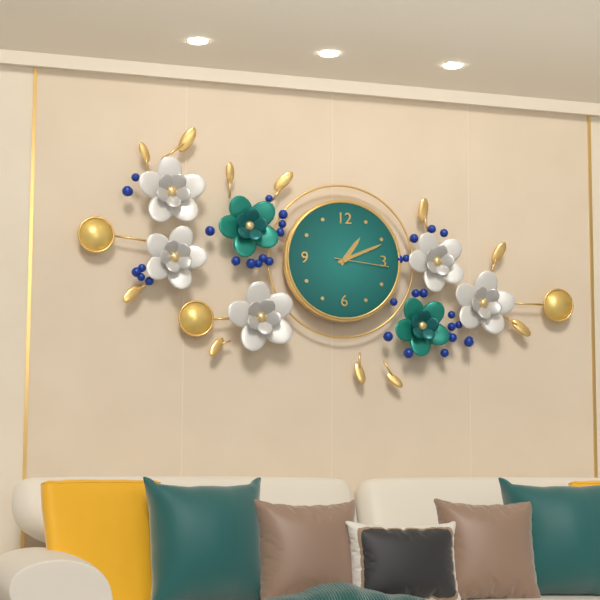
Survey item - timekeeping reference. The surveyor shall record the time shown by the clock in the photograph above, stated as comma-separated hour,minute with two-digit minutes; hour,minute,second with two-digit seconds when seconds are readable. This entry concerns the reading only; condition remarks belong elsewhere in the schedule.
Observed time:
1,11,16
